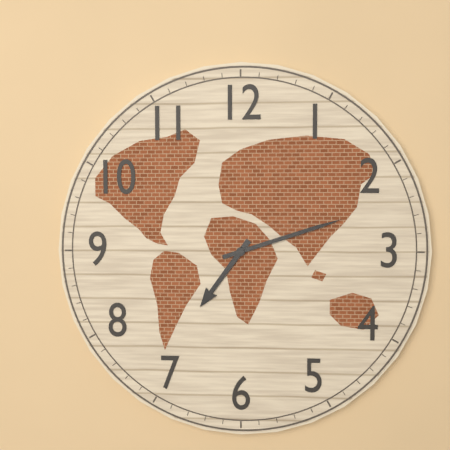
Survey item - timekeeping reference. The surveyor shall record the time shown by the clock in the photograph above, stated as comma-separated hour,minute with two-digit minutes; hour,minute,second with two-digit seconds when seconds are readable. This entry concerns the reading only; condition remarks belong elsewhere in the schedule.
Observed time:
7,12
